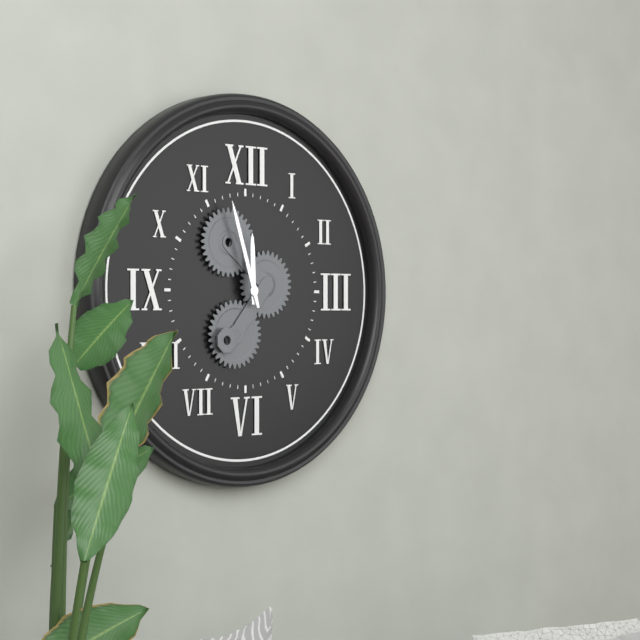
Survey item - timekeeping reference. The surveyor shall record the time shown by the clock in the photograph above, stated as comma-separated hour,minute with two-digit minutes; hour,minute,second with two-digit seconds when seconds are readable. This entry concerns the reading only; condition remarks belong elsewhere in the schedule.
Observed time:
11,57
